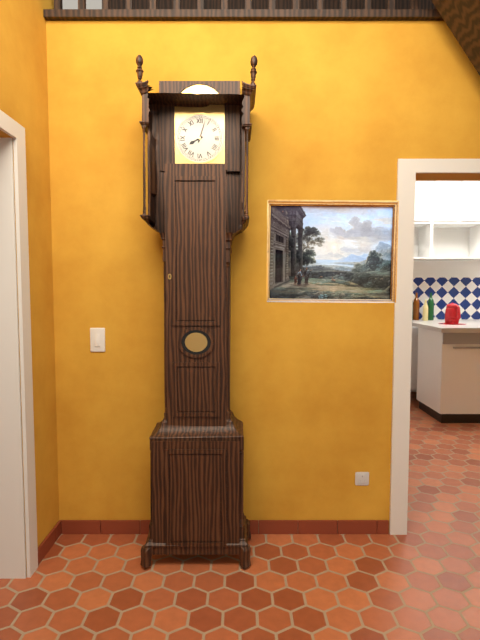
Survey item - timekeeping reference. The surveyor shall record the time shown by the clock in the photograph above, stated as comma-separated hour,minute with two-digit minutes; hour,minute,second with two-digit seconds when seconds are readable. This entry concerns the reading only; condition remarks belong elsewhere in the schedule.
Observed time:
8,03
